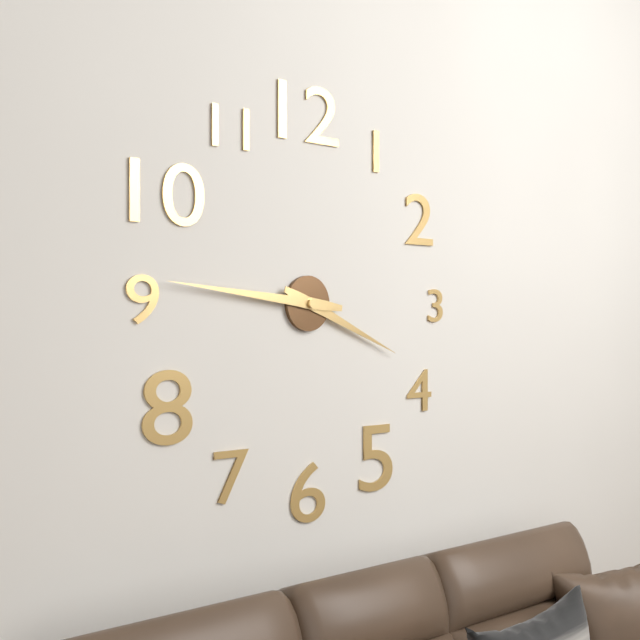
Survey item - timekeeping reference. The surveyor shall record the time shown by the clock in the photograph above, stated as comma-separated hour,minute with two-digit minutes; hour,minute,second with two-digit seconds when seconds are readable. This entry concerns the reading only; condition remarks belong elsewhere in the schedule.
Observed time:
3,46
